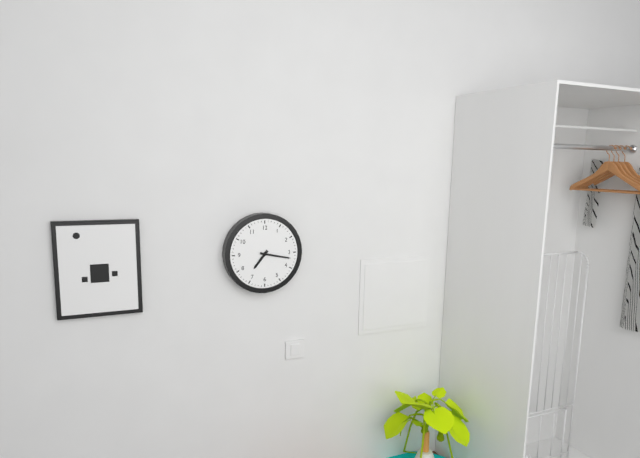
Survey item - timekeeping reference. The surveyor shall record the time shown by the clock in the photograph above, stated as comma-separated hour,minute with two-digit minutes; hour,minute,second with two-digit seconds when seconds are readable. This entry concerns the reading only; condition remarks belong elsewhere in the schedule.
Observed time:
7,17
